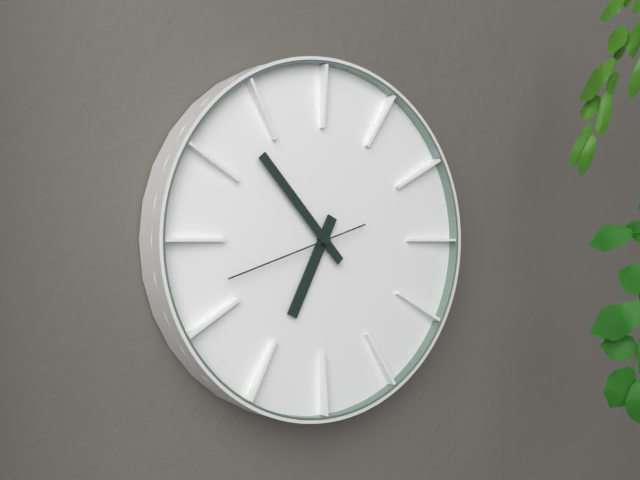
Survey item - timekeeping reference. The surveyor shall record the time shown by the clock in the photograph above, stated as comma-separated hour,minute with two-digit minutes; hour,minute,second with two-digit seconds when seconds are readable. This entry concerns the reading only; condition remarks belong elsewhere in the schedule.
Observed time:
6,53,42
